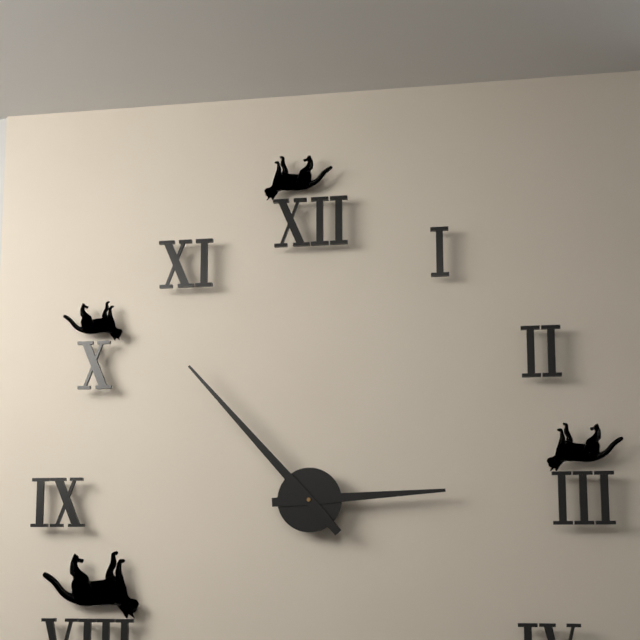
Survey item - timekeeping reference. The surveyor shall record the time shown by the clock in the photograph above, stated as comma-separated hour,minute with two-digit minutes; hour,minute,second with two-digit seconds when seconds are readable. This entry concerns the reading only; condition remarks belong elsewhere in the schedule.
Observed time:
2,53
